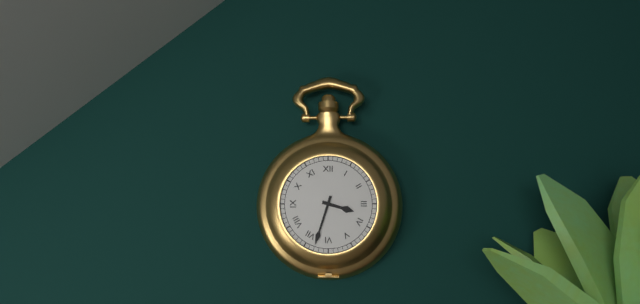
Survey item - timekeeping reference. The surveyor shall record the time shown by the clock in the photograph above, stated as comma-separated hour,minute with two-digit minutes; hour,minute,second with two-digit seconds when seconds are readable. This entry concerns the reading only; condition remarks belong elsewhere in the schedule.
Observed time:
3,33
